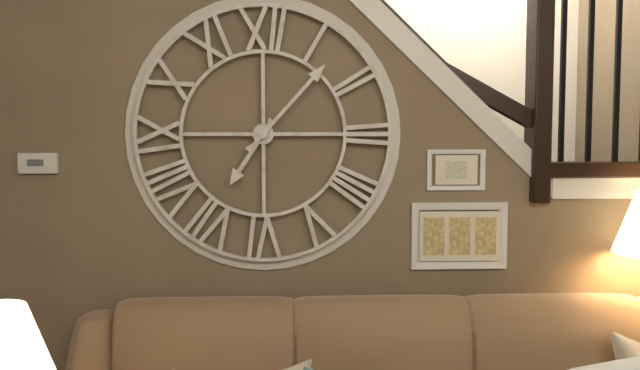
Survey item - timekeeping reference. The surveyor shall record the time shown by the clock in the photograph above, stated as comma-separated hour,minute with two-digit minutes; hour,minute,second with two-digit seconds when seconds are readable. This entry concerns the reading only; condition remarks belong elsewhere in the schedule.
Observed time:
7,07
